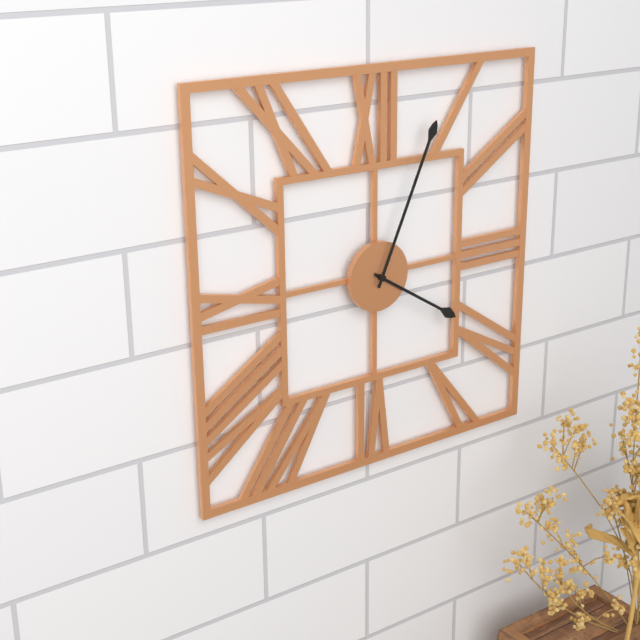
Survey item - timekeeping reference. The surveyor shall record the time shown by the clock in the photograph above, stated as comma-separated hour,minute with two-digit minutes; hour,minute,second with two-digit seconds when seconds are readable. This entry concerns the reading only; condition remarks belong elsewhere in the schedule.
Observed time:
4,04
